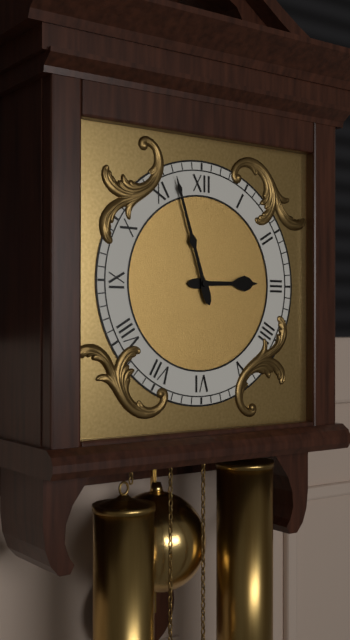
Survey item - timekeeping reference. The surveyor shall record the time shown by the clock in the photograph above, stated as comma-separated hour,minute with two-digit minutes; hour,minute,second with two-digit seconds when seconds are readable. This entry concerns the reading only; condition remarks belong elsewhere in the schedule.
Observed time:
2,57
